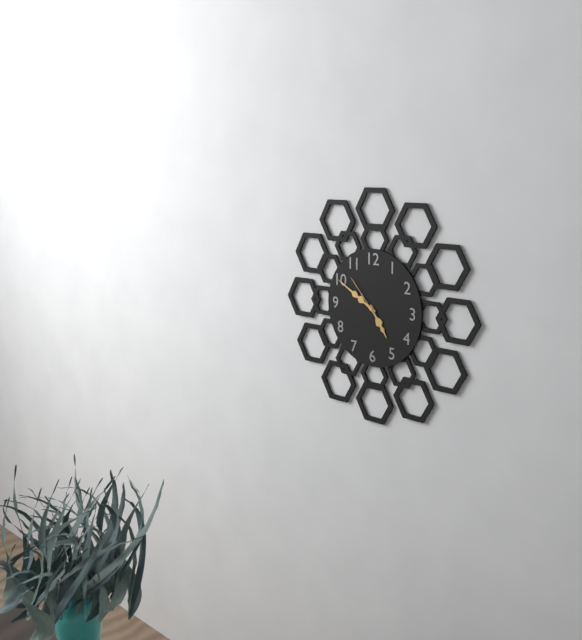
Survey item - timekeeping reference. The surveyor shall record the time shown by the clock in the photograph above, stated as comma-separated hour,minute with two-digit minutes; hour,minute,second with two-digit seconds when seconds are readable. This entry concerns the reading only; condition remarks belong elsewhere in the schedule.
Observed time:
4,50
